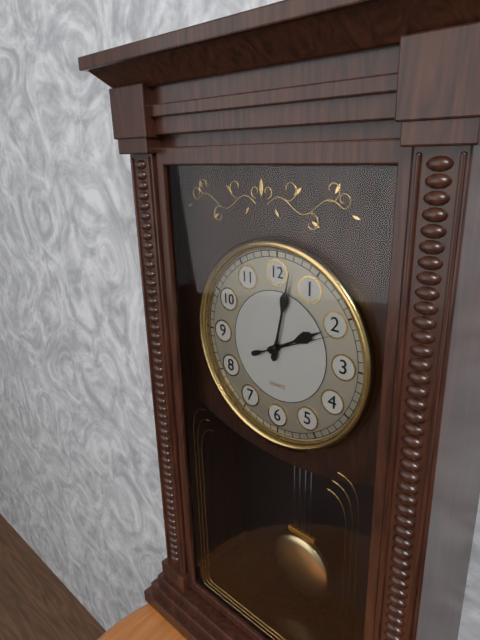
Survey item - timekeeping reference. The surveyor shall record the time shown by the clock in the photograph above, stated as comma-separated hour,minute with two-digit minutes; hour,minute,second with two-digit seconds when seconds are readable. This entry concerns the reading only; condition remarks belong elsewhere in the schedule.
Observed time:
2,02,11
